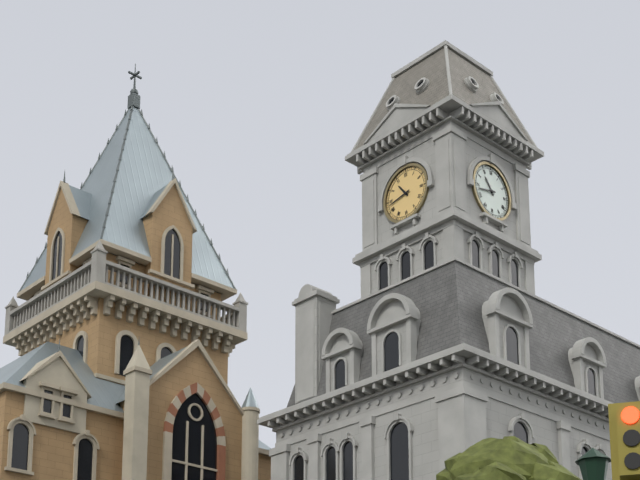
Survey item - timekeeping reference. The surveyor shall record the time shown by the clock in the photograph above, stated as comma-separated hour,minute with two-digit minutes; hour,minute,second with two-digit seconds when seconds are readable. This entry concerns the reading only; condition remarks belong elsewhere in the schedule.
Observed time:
10,43
